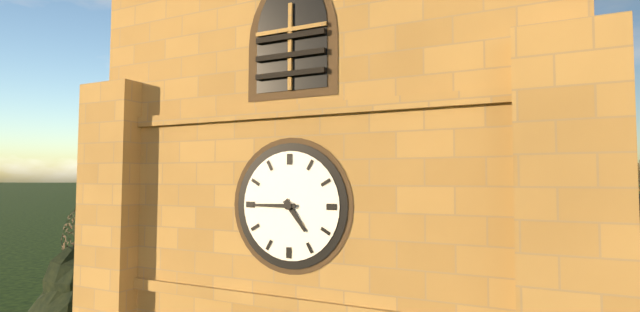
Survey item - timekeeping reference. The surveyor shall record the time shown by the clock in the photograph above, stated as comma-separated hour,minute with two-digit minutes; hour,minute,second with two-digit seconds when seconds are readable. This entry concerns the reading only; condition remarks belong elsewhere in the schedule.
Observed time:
4,45
